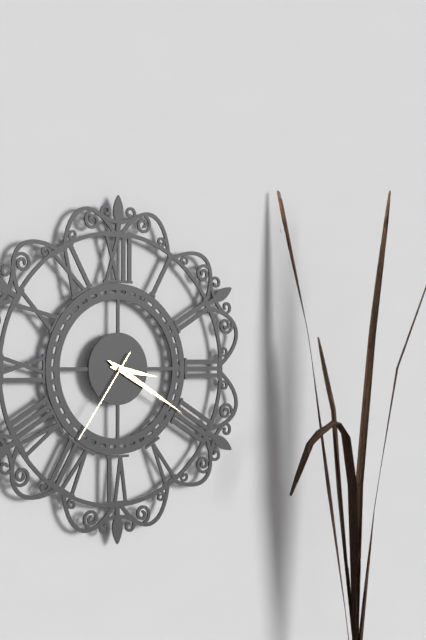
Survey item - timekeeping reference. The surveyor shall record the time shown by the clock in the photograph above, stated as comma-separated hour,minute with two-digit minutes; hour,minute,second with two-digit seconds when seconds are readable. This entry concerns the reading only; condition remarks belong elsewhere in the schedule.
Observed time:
3,20,36
